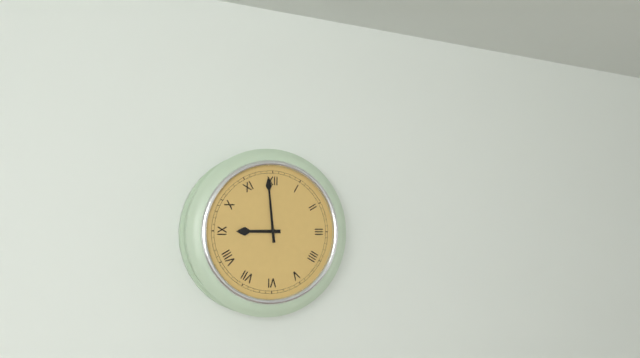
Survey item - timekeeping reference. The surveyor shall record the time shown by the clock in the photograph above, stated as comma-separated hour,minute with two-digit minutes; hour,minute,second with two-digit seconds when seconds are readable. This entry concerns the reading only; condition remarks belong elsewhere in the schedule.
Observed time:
8,59
